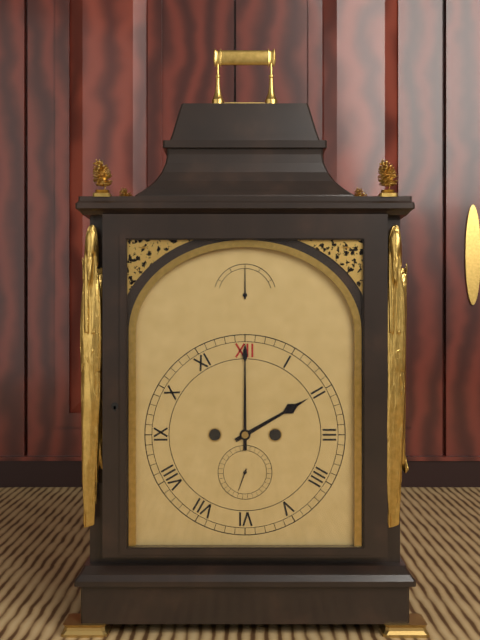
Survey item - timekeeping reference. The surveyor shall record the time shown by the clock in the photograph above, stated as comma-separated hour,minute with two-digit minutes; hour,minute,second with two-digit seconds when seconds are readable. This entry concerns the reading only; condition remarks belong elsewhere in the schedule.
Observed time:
2,00
